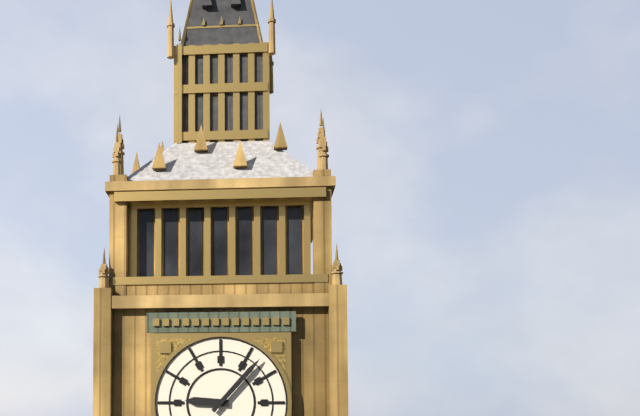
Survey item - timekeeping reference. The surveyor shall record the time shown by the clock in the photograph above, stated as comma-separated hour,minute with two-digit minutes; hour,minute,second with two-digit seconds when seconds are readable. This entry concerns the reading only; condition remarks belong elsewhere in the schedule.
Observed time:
9,07
